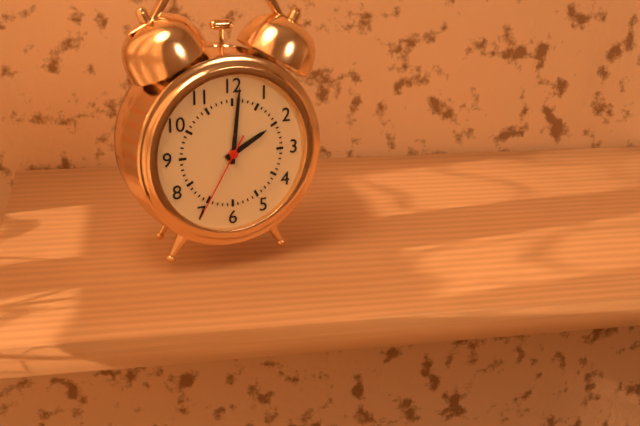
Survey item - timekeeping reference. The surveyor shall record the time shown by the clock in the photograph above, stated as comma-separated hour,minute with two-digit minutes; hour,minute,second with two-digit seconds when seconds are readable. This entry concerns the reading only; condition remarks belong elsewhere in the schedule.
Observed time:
2,01,35
